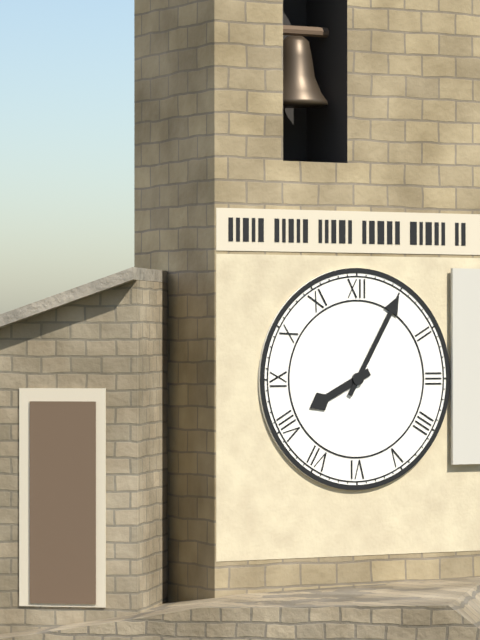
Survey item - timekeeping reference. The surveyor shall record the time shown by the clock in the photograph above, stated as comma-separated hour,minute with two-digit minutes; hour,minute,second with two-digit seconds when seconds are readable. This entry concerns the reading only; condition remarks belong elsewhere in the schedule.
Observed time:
8,05
